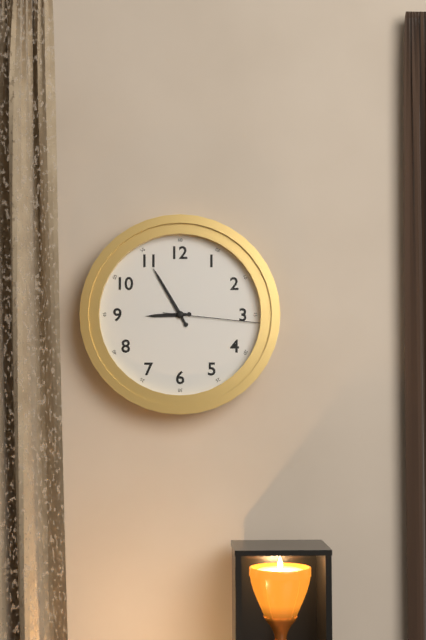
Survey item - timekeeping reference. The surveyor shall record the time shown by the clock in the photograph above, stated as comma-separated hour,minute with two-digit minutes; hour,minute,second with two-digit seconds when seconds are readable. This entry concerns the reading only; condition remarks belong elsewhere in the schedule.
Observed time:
8,55,16
